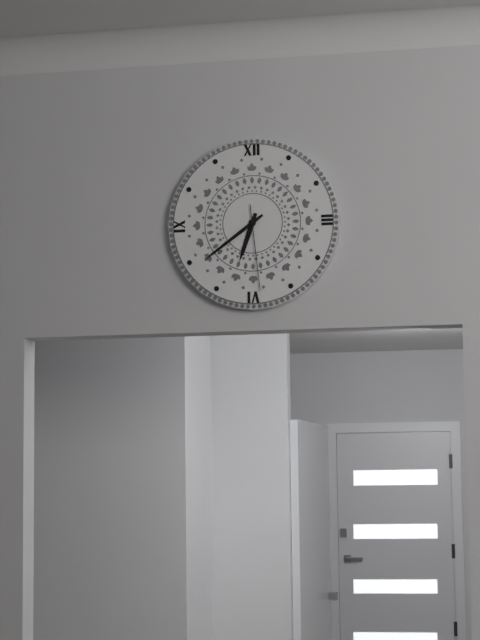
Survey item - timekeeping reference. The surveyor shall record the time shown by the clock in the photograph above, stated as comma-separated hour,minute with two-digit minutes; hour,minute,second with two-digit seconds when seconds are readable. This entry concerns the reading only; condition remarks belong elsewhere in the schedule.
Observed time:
6,39,29
